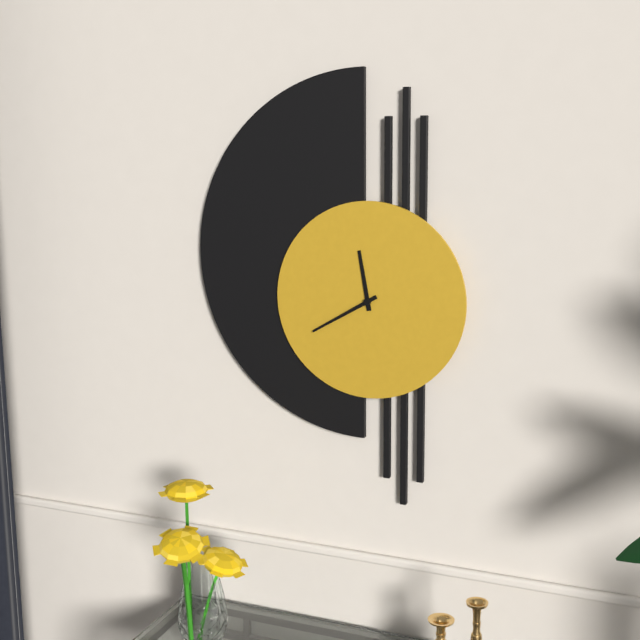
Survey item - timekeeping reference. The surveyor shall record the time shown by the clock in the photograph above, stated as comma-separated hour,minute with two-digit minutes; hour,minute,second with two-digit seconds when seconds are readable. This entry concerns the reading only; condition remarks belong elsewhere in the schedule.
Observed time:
11,40
